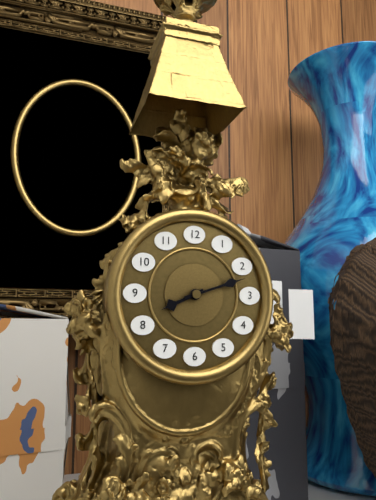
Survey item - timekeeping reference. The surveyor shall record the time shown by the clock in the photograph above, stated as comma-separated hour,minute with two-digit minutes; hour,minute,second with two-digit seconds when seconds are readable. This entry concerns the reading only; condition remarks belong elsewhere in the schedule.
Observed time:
8,12
